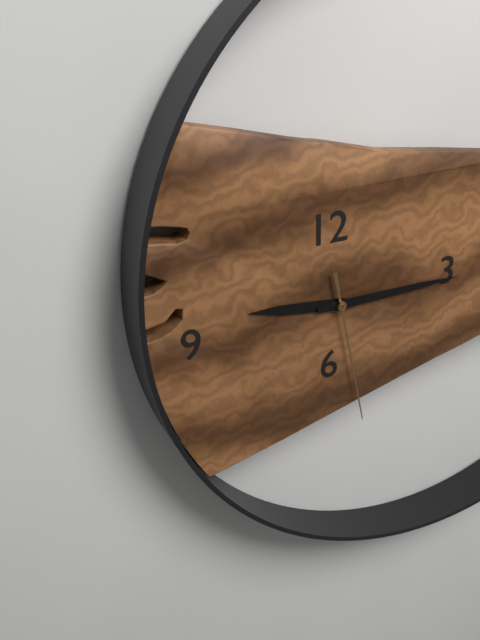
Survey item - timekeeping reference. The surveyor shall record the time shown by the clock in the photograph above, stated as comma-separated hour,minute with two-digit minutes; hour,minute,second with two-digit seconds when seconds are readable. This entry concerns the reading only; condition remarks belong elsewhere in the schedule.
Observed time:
9,15,28
